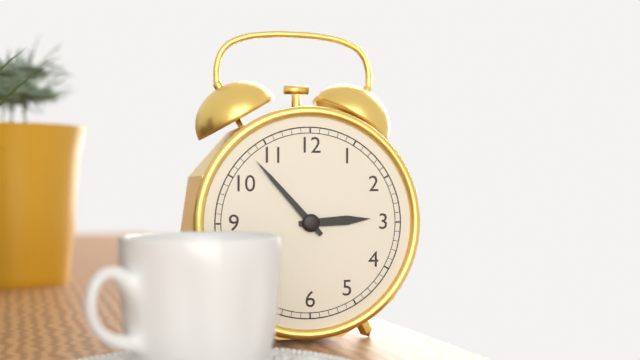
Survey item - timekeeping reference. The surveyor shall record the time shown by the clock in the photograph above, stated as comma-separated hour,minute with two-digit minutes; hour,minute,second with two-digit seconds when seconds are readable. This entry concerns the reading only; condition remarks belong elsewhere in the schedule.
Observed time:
2,53
